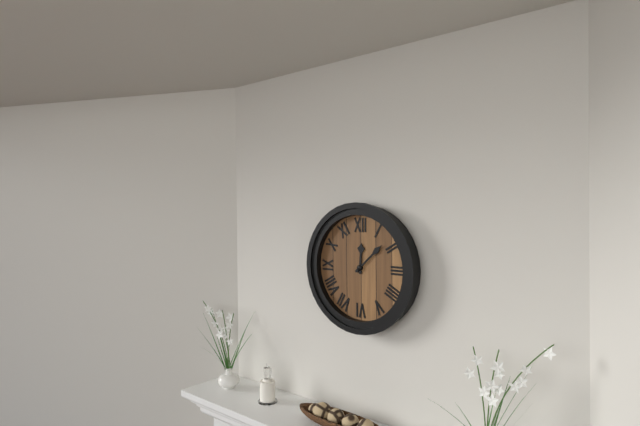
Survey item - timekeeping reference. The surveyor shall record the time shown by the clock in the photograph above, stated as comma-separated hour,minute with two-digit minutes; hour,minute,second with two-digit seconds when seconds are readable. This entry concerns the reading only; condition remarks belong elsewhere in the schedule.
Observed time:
12,08
